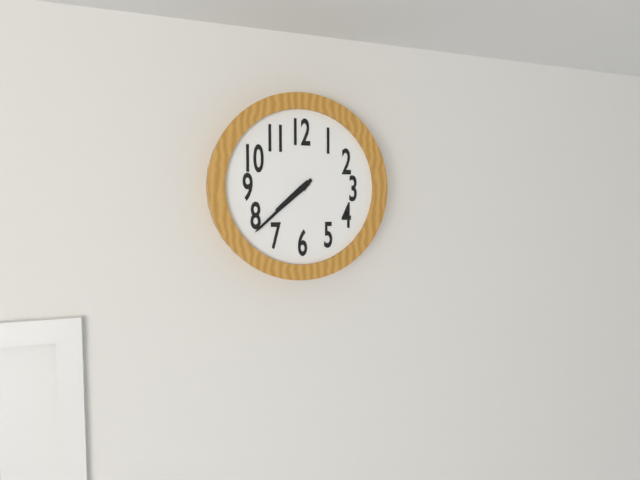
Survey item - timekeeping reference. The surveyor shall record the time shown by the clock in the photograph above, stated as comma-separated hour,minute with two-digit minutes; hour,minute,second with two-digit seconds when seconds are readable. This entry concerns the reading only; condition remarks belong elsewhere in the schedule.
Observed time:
7,38
